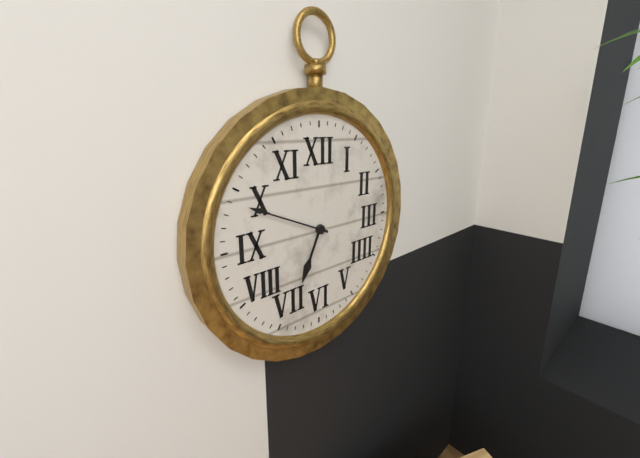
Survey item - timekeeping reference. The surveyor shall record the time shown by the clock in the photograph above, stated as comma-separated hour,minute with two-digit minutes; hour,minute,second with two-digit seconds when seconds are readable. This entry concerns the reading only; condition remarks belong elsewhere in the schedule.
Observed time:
6,49
